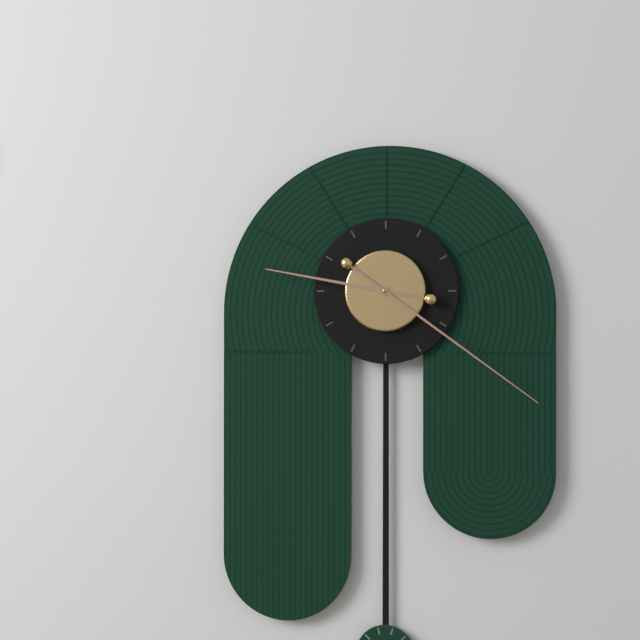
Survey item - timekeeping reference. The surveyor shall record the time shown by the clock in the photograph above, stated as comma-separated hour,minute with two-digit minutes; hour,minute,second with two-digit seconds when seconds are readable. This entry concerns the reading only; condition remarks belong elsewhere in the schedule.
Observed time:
9,21
